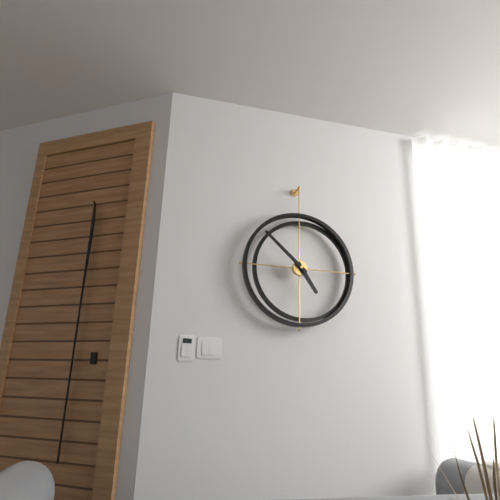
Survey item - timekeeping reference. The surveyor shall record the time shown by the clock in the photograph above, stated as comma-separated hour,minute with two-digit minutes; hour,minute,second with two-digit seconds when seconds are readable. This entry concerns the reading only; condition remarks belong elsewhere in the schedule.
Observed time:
4,52
